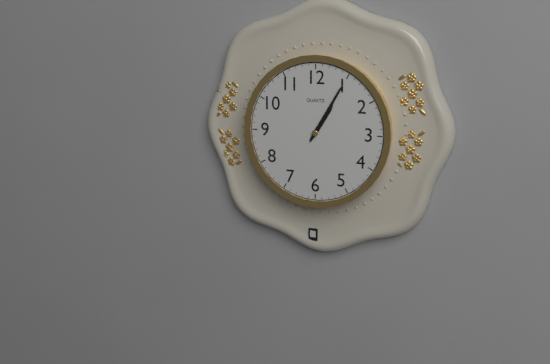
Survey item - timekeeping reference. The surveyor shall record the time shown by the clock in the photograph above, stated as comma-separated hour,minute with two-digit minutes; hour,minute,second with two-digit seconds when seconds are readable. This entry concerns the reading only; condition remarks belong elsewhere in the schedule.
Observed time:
1,05
